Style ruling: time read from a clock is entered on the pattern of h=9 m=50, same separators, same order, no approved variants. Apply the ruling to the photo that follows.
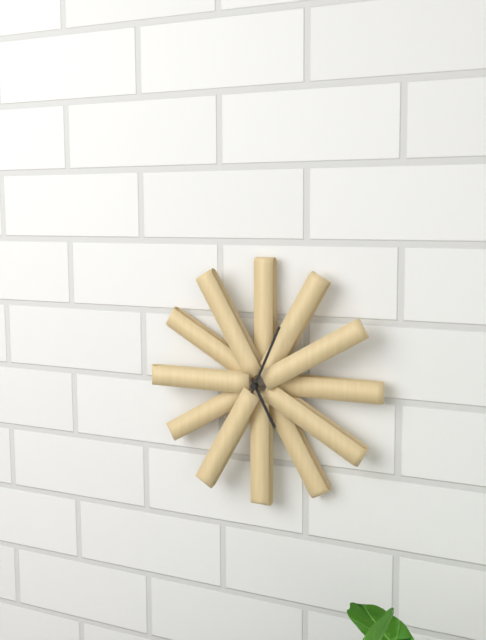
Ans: h=5 m=4
